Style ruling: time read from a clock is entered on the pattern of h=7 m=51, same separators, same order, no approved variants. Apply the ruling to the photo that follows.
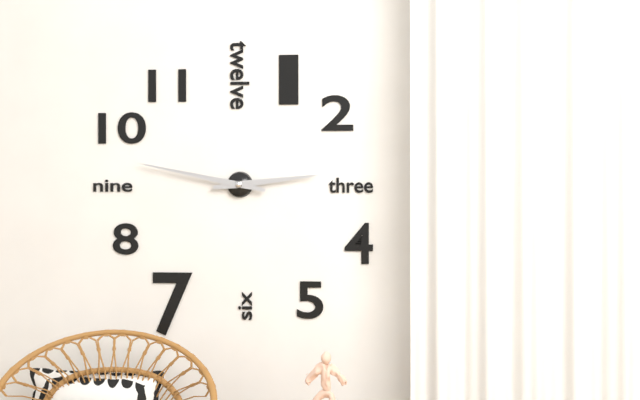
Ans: h=2 m=47
